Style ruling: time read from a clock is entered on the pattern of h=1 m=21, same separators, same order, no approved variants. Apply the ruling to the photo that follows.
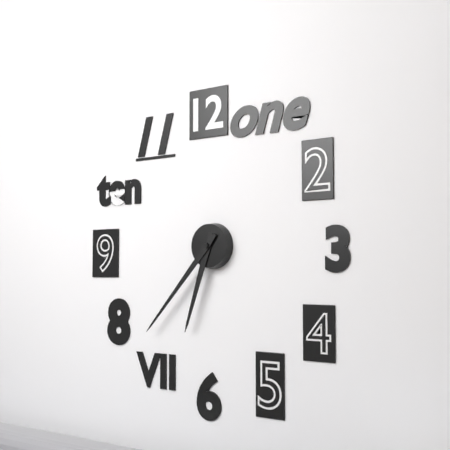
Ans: h=6 m=37
